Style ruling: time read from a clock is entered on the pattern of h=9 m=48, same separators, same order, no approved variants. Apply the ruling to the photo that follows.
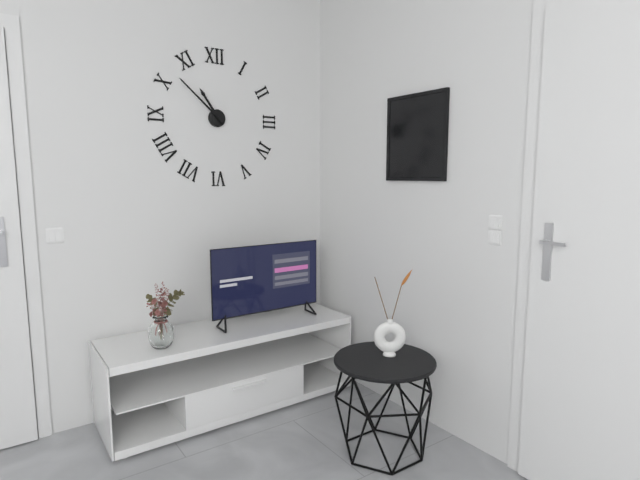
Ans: h=10 m=52
